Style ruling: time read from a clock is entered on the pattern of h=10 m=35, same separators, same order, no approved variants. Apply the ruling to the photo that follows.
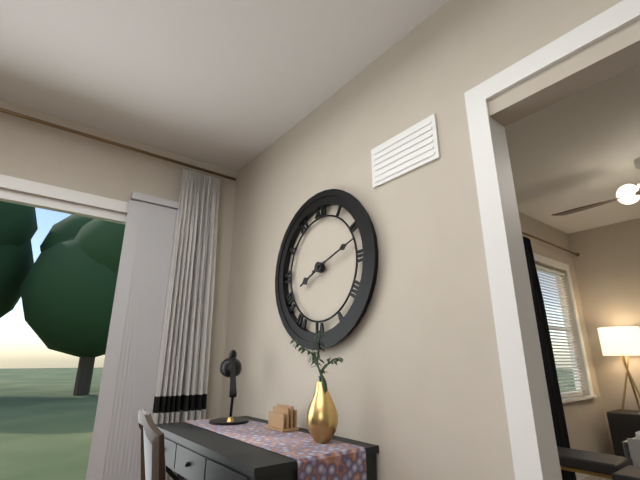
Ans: h=8 m=12
